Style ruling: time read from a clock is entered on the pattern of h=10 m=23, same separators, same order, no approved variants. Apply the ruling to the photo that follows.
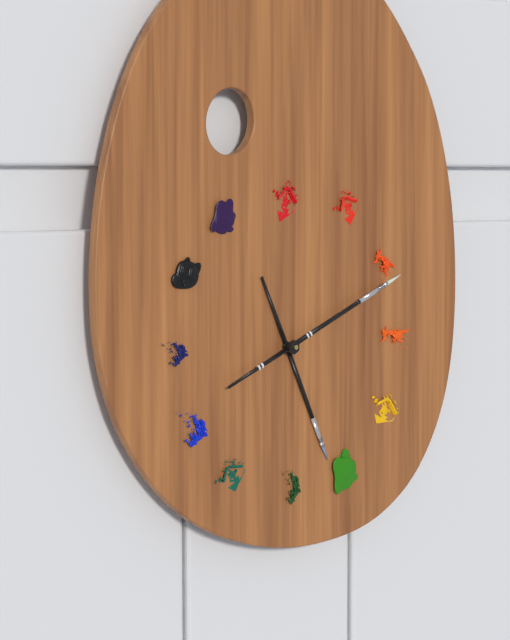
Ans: h=5 m=11
